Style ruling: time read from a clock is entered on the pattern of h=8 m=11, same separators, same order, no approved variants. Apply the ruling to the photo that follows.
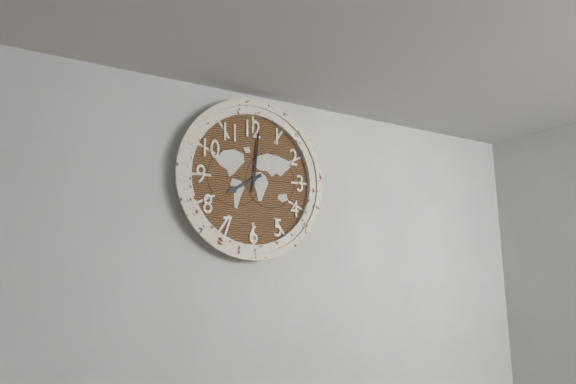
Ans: h=8 m=1
